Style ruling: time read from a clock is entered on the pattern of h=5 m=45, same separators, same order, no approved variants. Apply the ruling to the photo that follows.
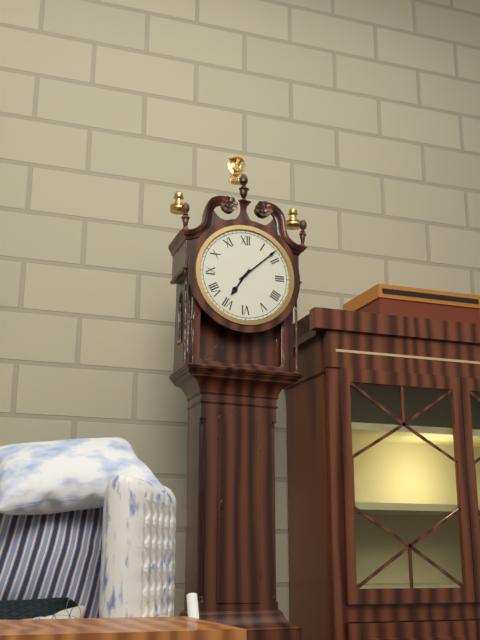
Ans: h=7 m=8
